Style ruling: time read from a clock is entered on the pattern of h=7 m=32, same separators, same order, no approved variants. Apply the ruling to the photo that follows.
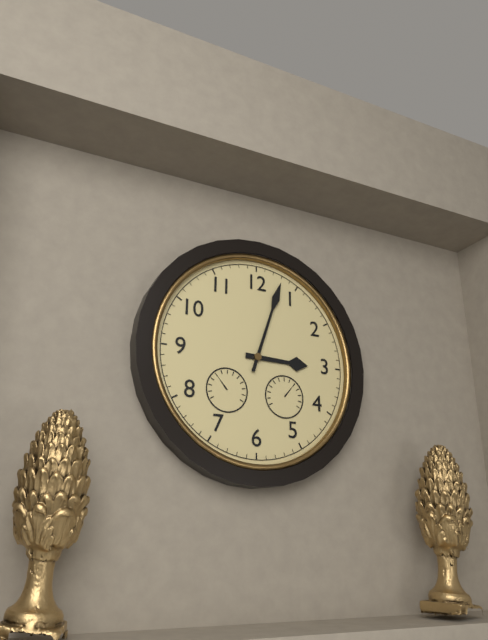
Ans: h=3 m=3
